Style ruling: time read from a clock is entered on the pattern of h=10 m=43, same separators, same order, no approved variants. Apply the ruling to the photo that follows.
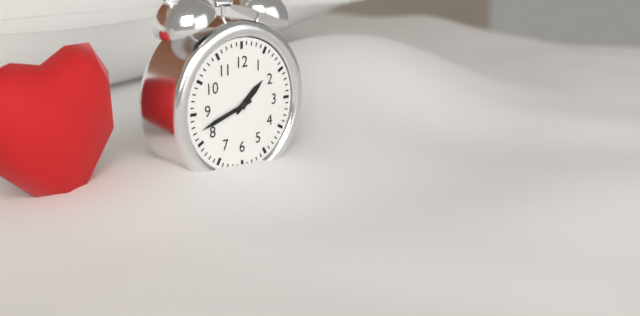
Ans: h=1 m=42
